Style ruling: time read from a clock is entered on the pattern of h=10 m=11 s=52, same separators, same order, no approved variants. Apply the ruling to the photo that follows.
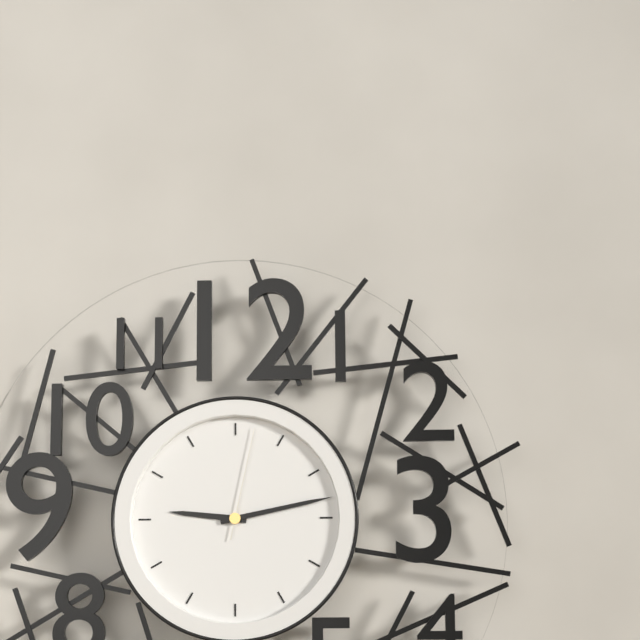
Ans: h=9 m=13 s=2
